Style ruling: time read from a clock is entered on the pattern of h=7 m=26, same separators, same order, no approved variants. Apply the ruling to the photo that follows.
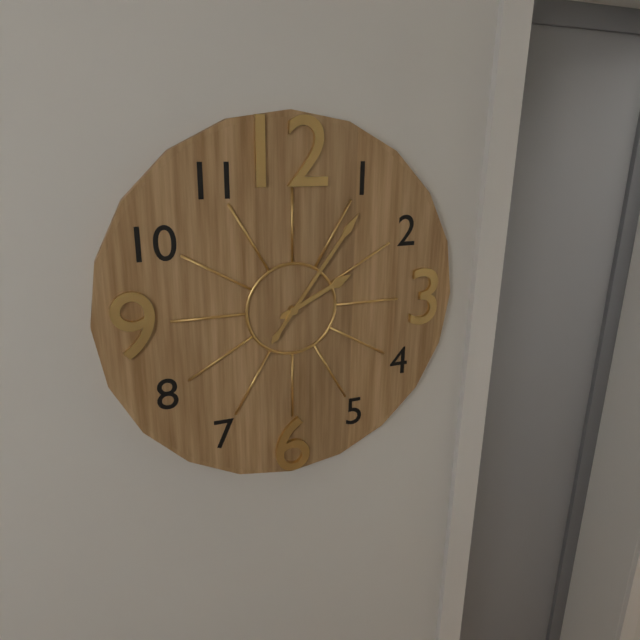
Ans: h=2 m=6
